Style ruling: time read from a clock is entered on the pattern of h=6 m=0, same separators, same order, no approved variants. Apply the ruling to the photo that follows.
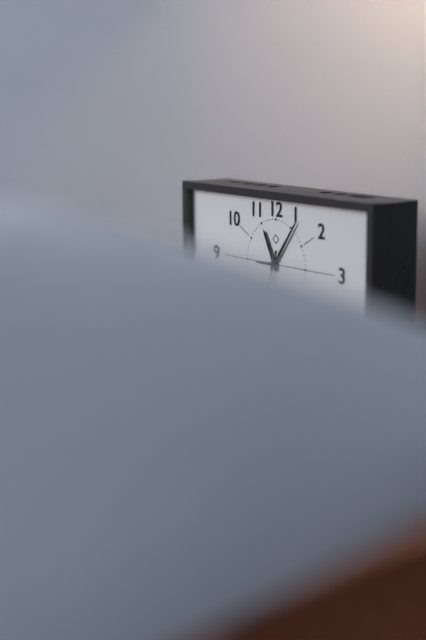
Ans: h=11 m=6
